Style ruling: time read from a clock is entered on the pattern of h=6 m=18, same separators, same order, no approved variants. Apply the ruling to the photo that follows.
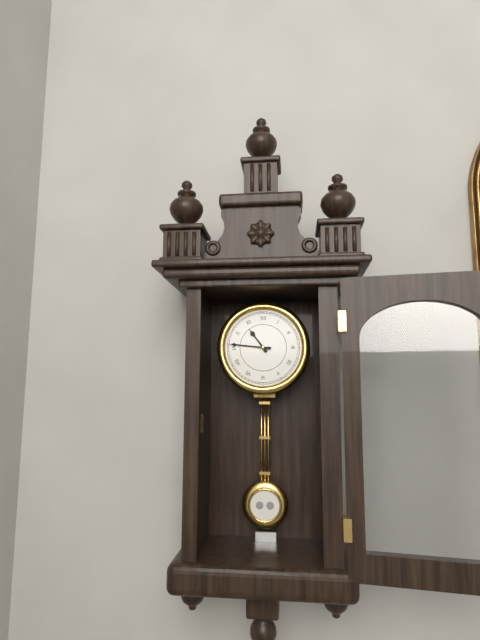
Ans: h=10 m=46
